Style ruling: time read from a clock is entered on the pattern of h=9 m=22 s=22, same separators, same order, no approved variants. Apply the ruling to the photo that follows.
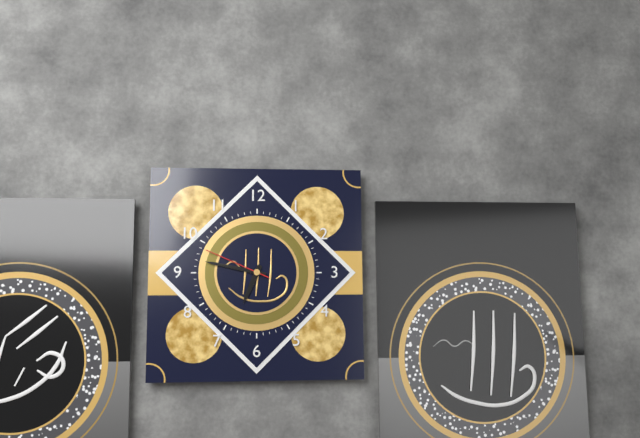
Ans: h=6 m=47 s=49
